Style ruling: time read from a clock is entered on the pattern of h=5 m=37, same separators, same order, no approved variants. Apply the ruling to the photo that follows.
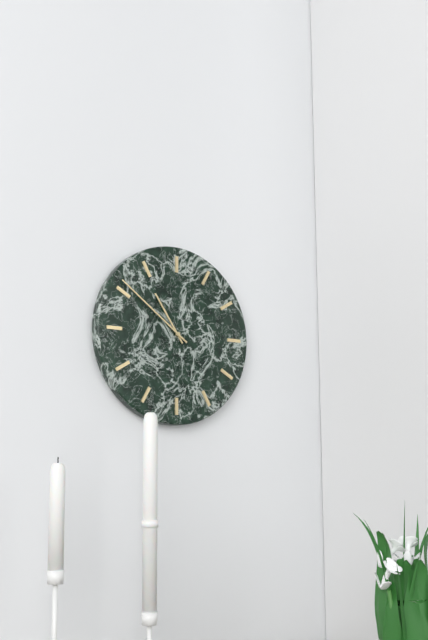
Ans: h=10 m=51
